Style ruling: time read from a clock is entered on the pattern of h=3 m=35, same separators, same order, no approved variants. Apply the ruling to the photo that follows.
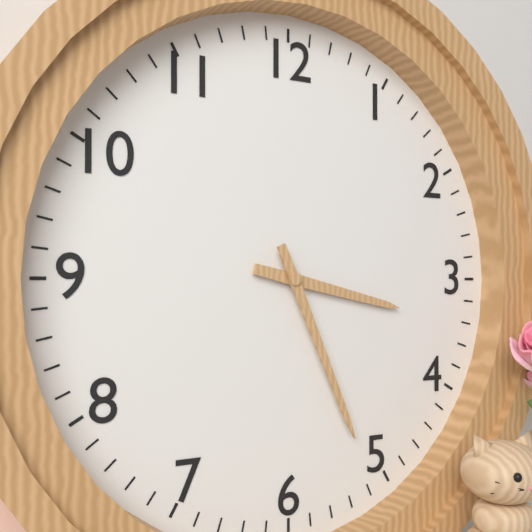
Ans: h=3 m=26
